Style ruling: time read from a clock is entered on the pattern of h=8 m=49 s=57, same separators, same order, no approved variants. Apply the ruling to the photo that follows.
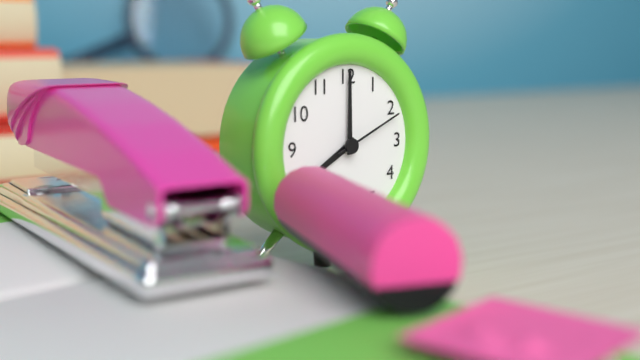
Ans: h=8 m=0 s=11
